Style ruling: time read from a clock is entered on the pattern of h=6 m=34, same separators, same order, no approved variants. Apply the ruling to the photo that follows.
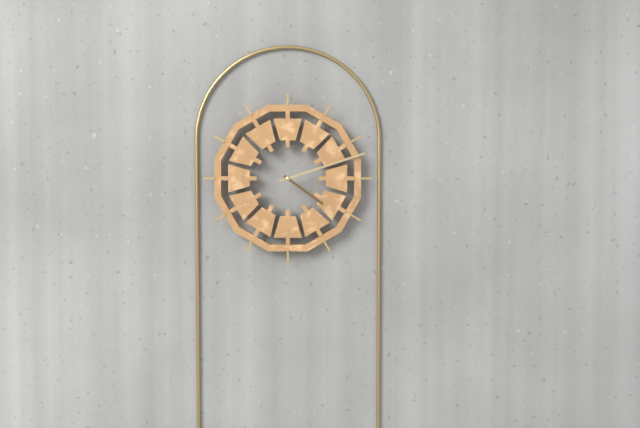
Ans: h=4 m=12
